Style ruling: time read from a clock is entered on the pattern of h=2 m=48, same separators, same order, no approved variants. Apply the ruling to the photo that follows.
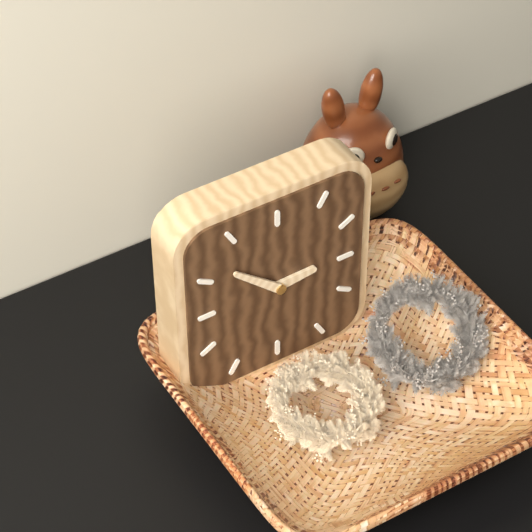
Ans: h=2 m=52
